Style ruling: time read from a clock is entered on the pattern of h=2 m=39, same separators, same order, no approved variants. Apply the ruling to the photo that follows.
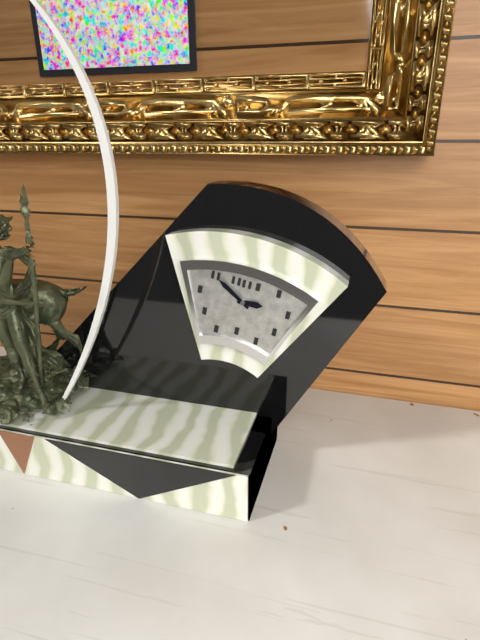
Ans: h=2 m=50
